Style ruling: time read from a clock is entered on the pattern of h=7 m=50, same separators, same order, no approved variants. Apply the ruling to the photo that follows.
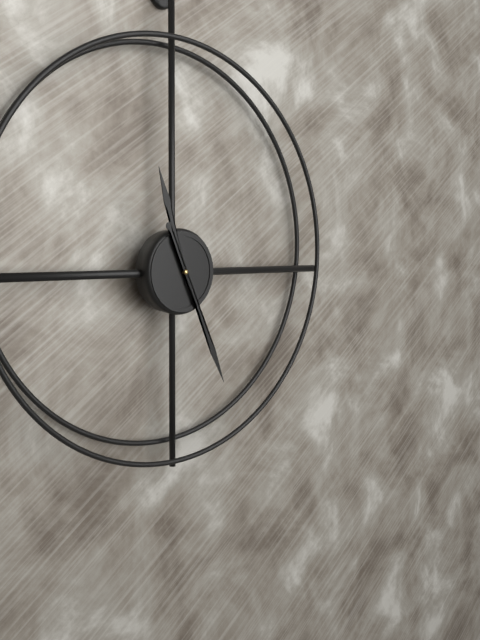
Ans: h=11 m=26
